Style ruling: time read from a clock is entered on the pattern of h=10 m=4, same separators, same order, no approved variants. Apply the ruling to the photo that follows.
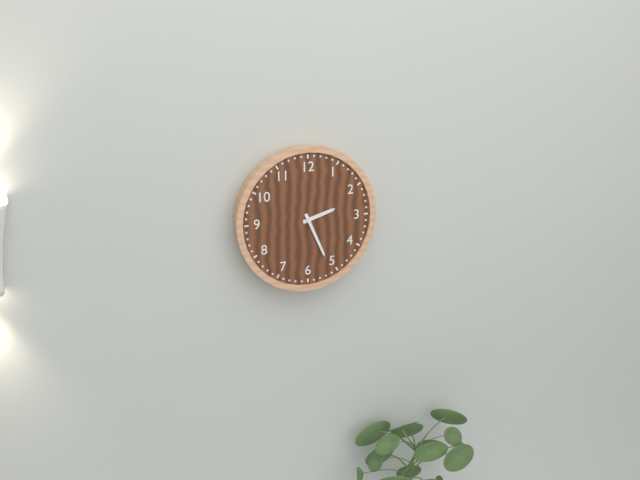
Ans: h=2 m=26
